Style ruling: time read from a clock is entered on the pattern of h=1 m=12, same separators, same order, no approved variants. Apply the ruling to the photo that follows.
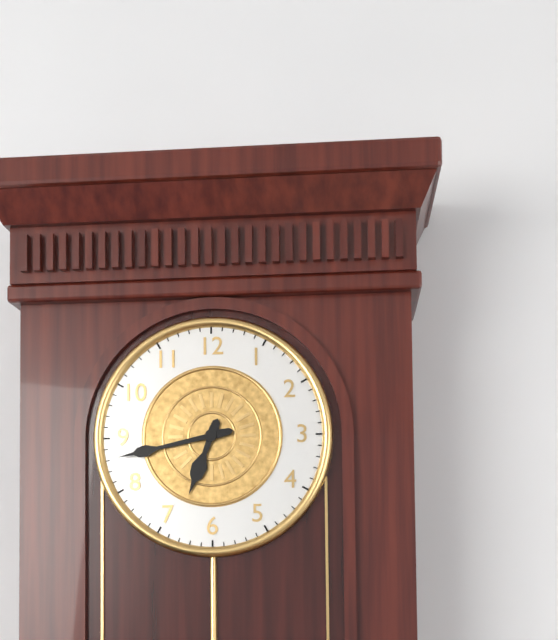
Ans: h=6 m=43
